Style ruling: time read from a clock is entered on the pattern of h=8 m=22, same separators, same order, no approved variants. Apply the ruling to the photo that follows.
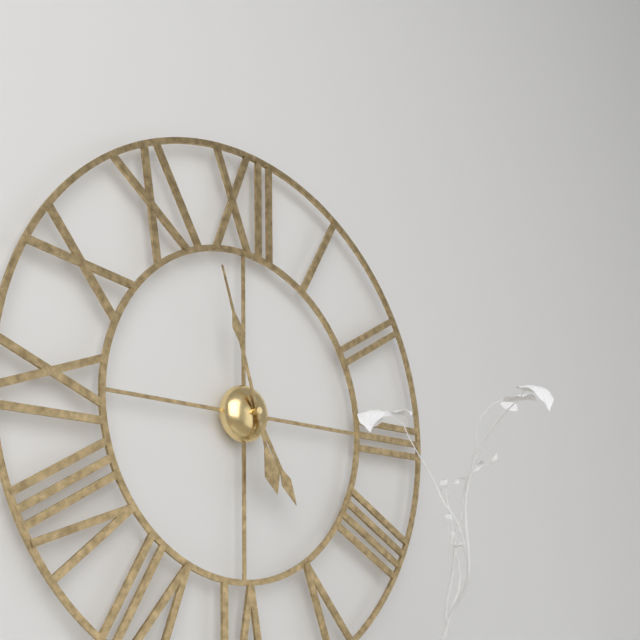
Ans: h=4 m=57
